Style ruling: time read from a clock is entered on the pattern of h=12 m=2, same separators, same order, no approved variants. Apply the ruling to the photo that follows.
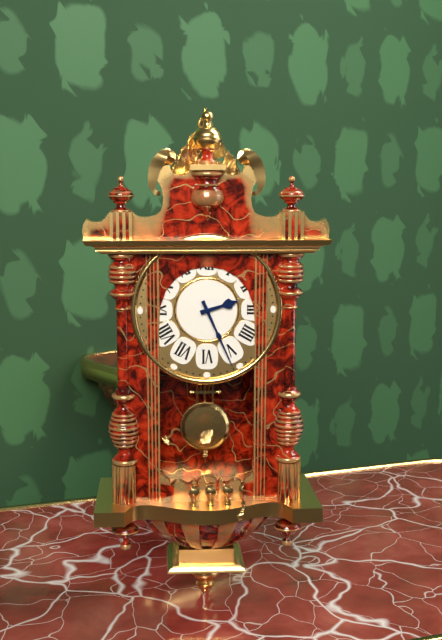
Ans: h=2 m=26
